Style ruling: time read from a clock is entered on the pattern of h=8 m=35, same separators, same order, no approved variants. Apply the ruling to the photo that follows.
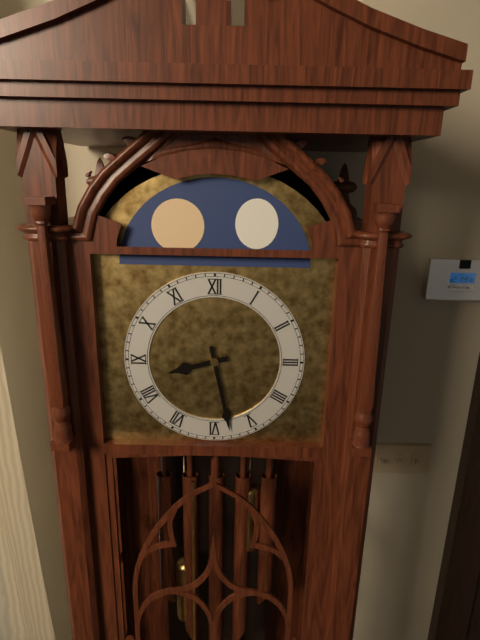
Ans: h=8 m=28
